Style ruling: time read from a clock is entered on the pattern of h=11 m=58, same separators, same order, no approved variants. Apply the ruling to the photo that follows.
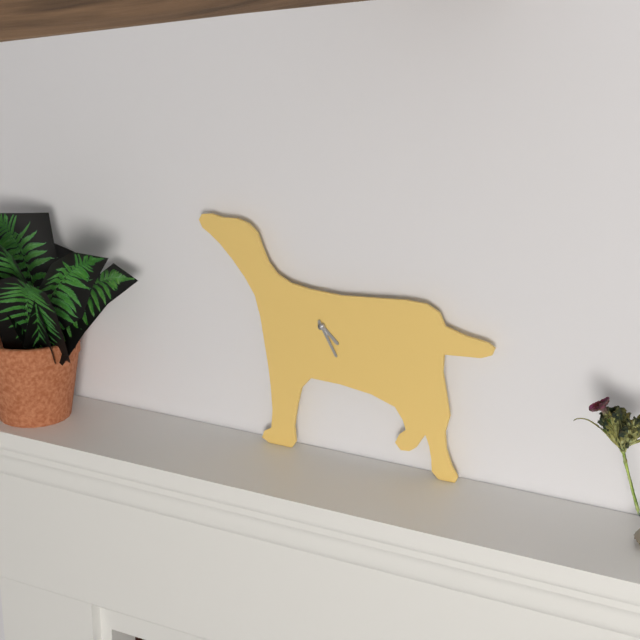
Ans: h=4 m=25
